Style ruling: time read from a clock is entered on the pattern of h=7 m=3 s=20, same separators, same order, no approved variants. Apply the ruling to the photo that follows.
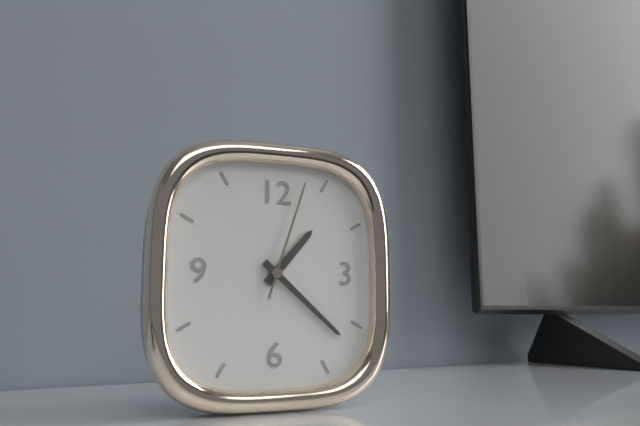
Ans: h=1 m=22 s=3
